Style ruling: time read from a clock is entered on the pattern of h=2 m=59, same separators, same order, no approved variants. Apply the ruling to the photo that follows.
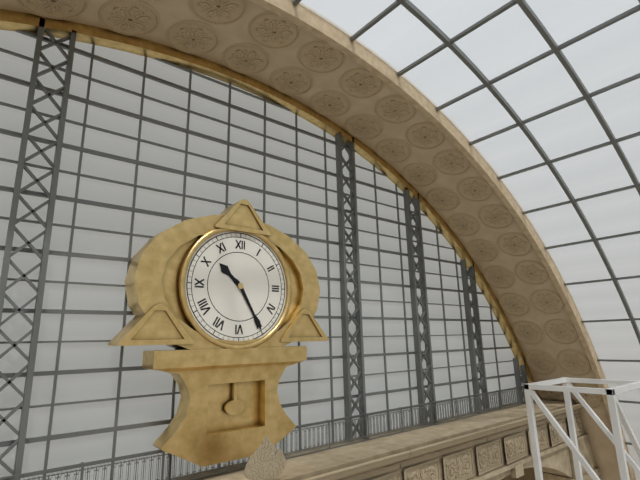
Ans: h=10 m=25
